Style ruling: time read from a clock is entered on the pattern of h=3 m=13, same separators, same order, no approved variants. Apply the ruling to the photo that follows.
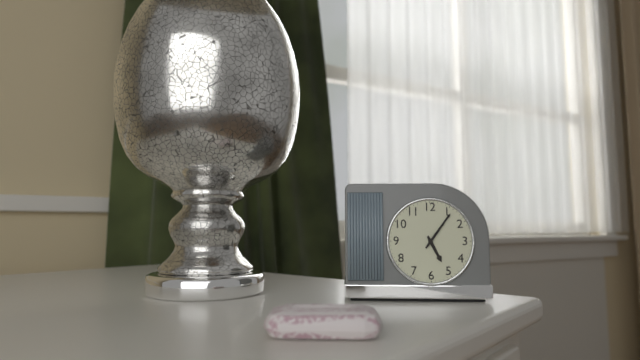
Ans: h=5 m=6
